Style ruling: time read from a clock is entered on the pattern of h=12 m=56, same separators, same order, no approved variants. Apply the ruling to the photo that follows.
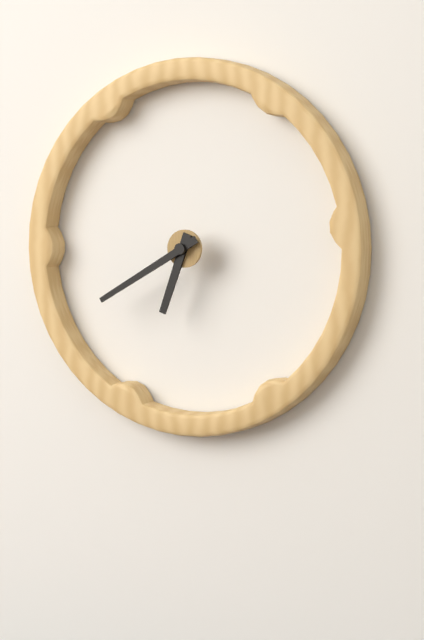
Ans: h=6 m=40
